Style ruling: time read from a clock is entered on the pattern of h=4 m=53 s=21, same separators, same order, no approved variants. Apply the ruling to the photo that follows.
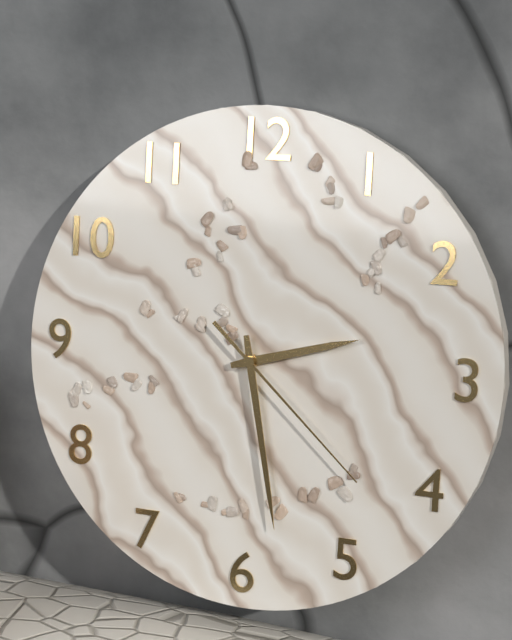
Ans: h=2 m=28 s=22
